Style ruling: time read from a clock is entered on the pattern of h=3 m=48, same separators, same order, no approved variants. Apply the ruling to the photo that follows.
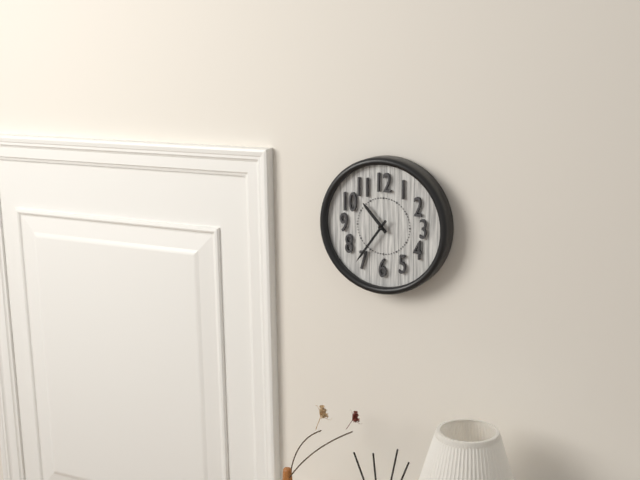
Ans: h=10 m=36
